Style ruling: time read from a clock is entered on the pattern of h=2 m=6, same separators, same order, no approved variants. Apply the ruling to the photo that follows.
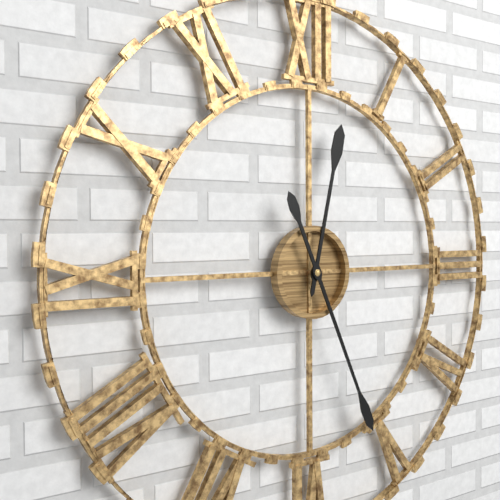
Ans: h=12 m=26
